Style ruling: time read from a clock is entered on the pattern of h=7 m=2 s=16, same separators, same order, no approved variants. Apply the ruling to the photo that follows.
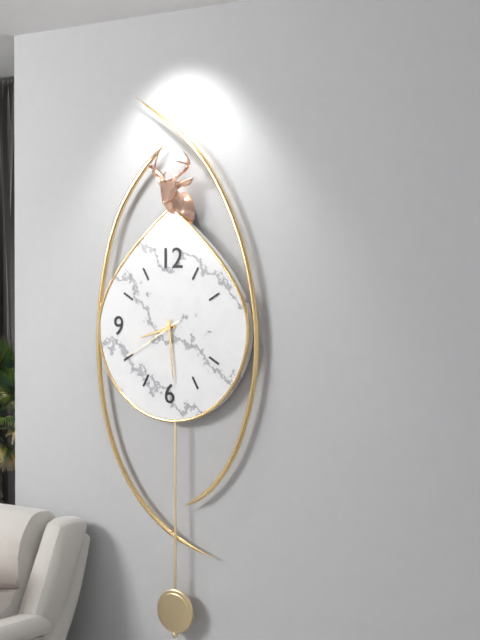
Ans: h=8 m=29 s=40
